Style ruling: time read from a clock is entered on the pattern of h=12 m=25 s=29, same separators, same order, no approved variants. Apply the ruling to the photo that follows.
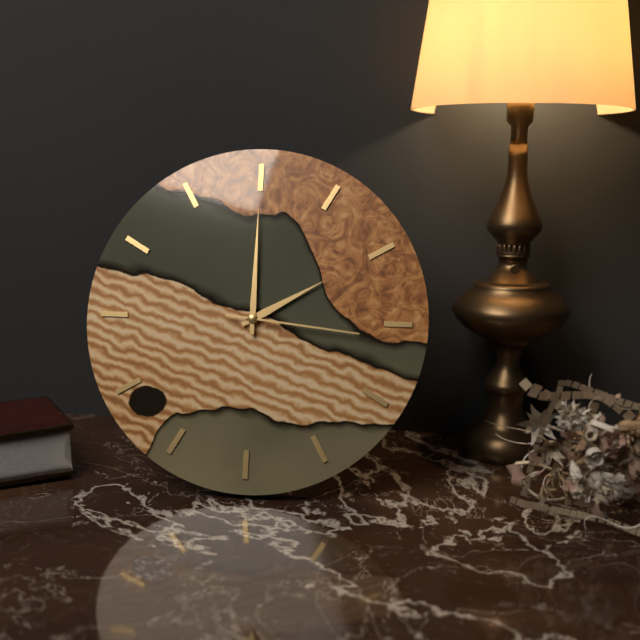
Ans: h=2 m=0 s=16
